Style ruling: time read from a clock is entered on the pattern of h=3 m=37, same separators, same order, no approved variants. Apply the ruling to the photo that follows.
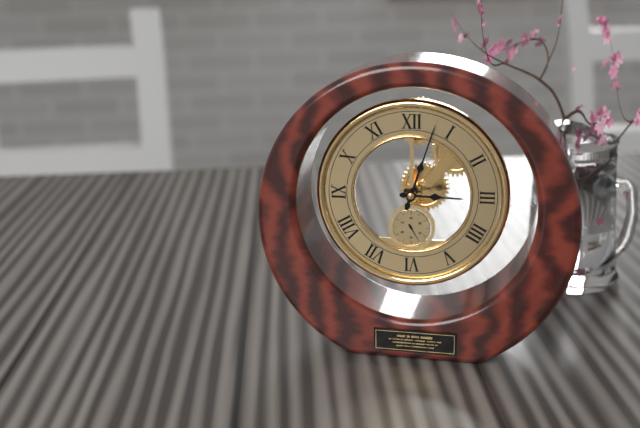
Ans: h=3 m=3
